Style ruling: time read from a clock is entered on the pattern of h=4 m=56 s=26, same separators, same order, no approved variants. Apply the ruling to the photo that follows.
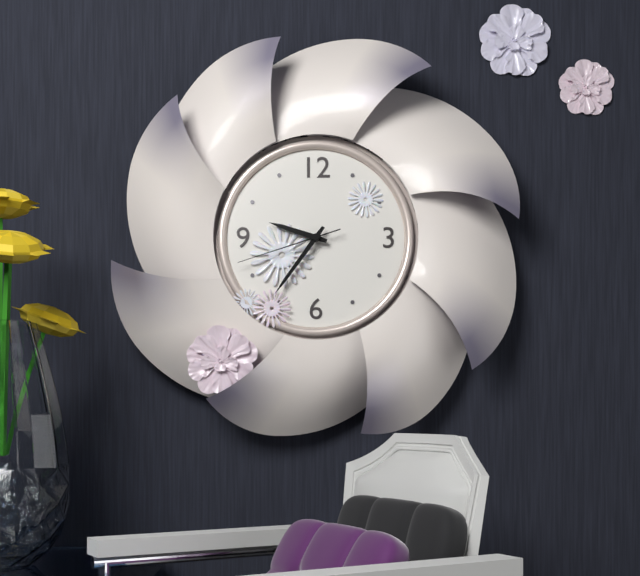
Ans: h=9 m=36 s=42
